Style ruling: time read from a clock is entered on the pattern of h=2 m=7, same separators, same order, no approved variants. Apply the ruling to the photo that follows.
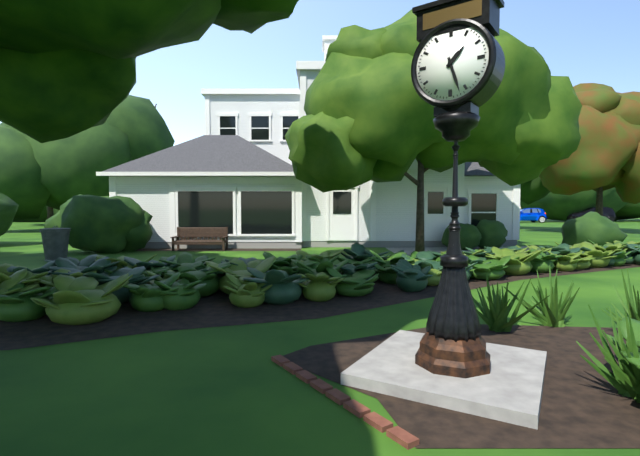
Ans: h=1 m=27
